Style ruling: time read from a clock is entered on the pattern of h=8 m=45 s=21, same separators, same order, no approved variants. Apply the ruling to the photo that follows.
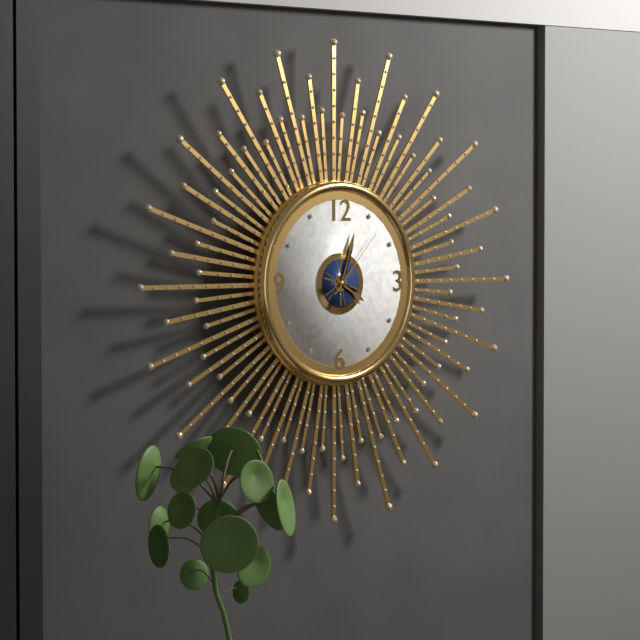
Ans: h=4 m=3 s=7
